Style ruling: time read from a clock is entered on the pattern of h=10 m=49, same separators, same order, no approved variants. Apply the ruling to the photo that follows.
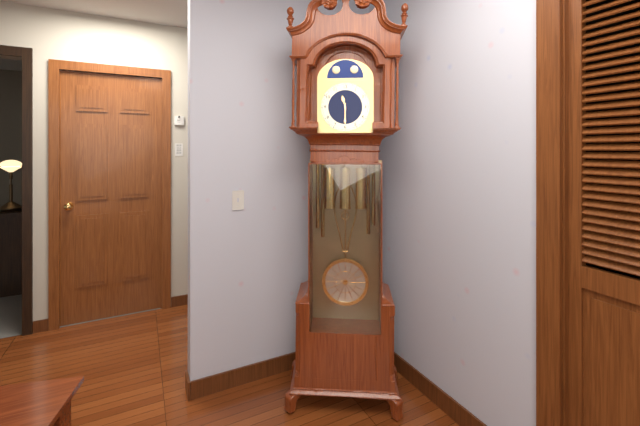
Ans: h=11 m=30
